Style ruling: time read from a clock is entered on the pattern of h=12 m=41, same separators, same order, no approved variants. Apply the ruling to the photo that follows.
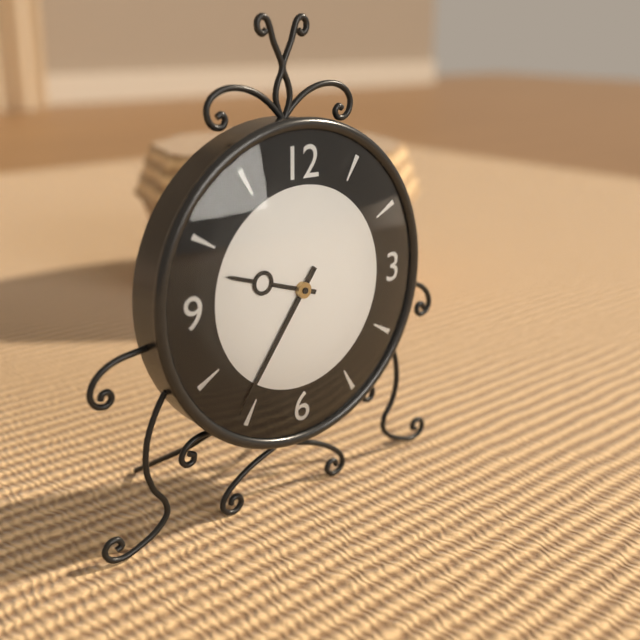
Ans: h=9 m=36
